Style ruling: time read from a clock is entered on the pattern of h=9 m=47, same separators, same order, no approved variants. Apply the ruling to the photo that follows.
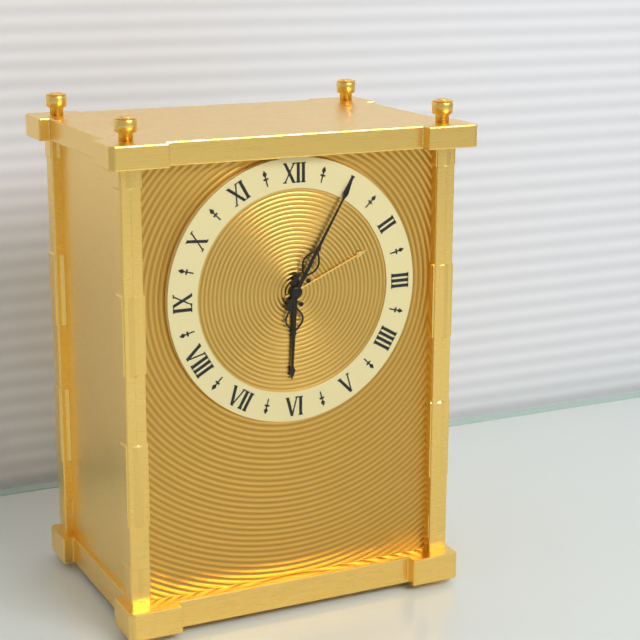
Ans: h=6 m=5
